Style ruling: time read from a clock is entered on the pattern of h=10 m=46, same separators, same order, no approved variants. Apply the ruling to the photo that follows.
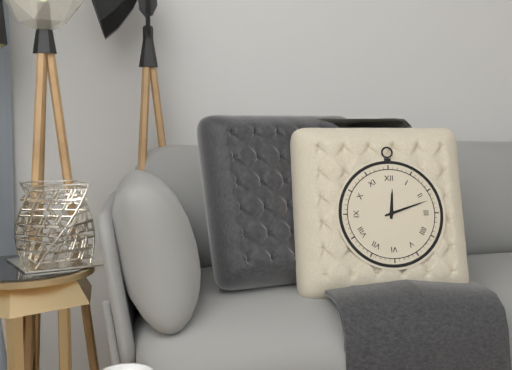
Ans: h=12 m=12
